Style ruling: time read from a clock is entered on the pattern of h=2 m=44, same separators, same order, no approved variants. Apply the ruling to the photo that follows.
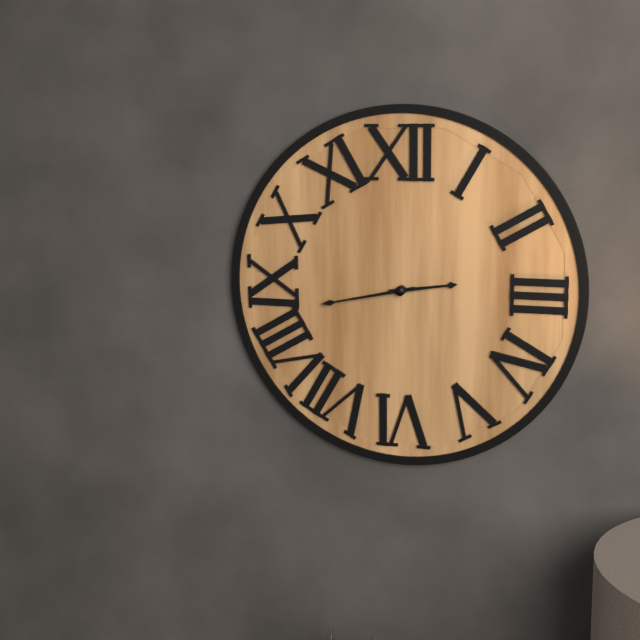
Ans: h=2 m=43
